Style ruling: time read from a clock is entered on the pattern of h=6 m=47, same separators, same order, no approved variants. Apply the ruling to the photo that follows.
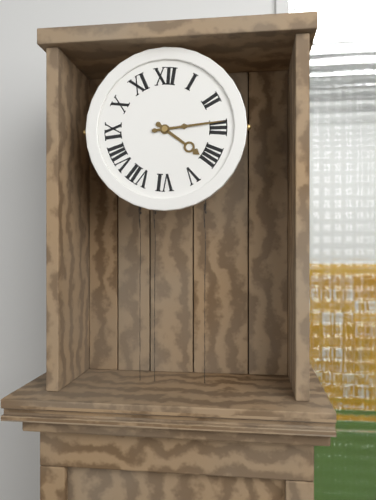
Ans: h=4 m=14
